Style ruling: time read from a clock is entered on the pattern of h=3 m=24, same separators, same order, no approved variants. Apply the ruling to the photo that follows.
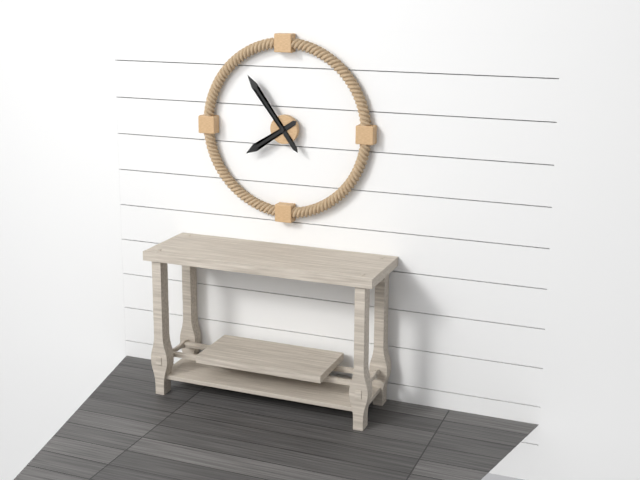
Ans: h=7 m=54
